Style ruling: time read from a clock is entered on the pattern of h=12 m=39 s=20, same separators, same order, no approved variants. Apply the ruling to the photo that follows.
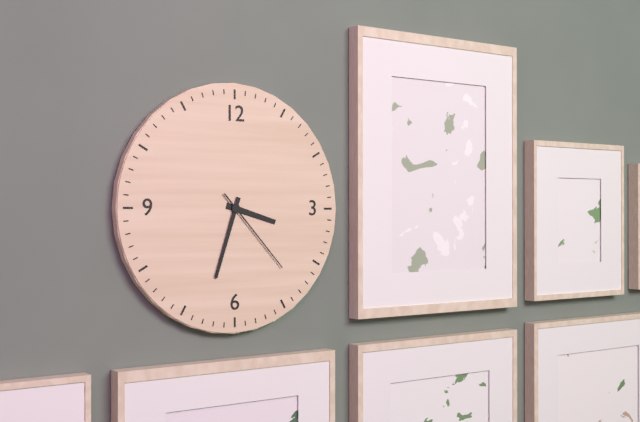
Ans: h=3 m=33 s=23
